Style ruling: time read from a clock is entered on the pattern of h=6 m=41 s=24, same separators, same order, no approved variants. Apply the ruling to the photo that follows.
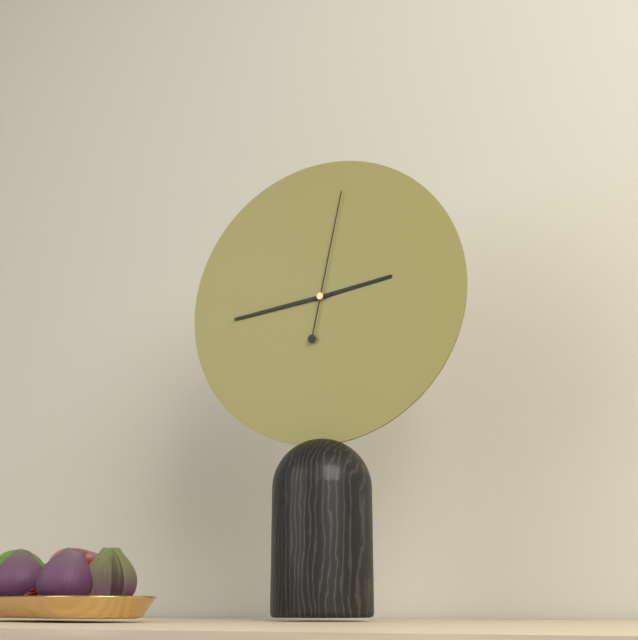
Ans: h=2 m=44 s=2
